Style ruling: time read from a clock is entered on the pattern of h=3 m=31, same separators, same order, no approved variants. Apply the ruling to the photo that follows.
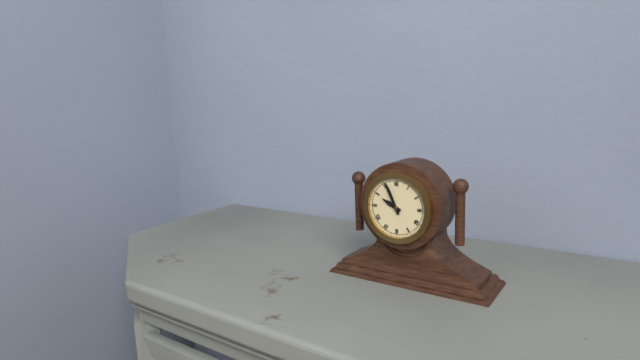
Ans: h=9 m=56
